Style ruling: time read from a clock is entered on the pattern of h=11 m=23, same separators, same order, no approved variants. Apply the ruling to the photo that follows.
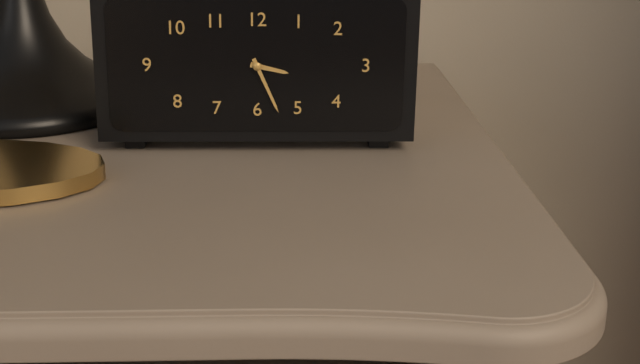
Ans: h=3 m=26
